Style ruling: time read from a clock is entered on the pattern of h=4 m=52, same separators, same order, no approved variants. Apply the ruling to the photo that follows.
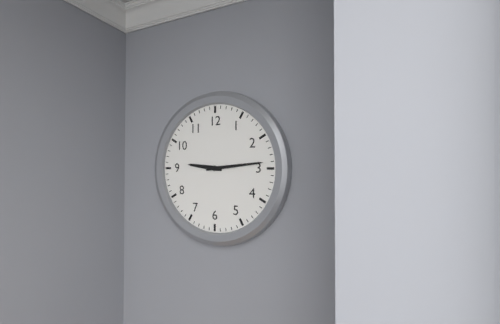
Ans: h=9 m=14
